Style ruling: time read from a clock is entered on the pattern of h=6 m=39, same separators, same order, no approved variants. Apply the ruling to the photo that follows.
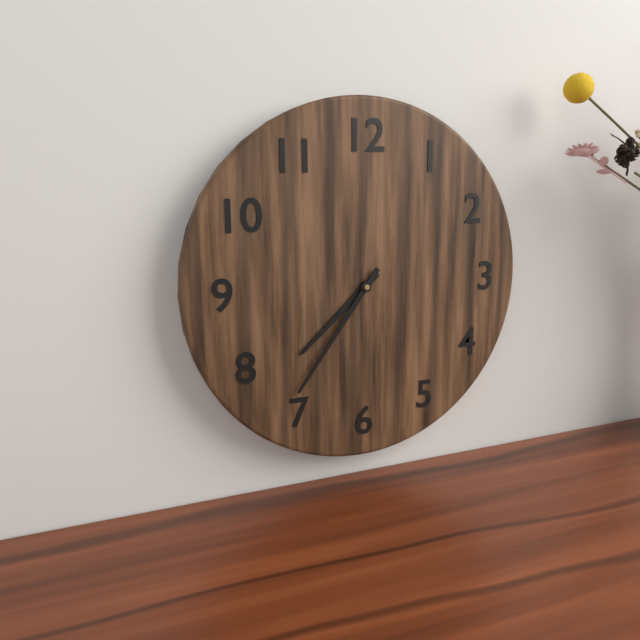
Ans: h=7 m=36
